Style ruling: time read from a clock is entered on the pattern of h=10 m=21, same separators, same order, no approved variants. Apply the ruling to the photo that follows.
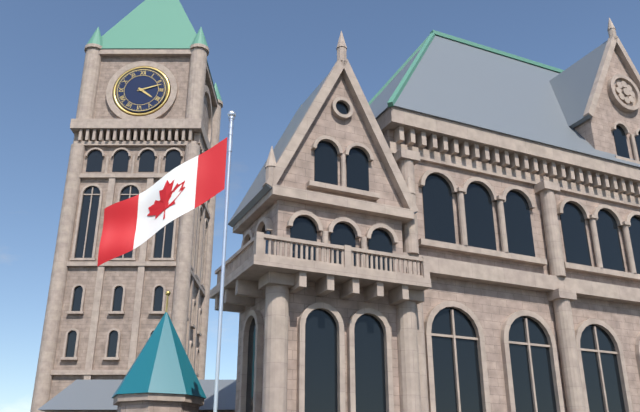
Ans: h=4 m=12
